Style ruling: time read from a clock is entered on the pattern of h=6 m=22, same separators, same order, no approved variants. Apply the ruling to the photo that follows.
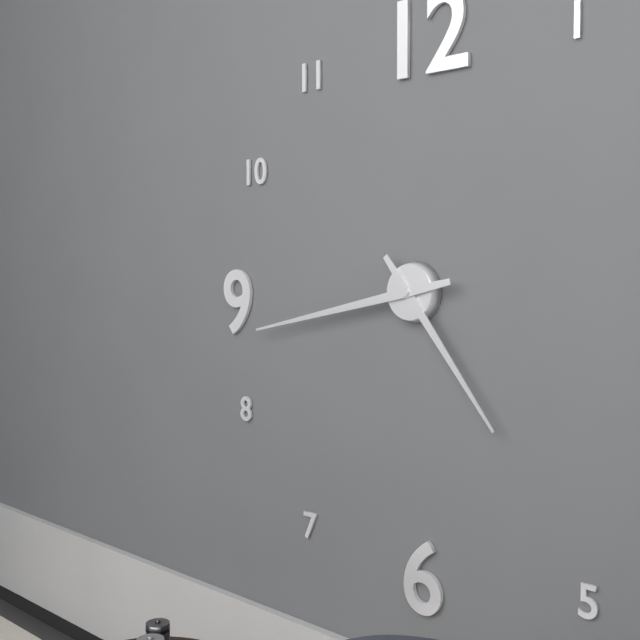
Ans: h=4 m=43
